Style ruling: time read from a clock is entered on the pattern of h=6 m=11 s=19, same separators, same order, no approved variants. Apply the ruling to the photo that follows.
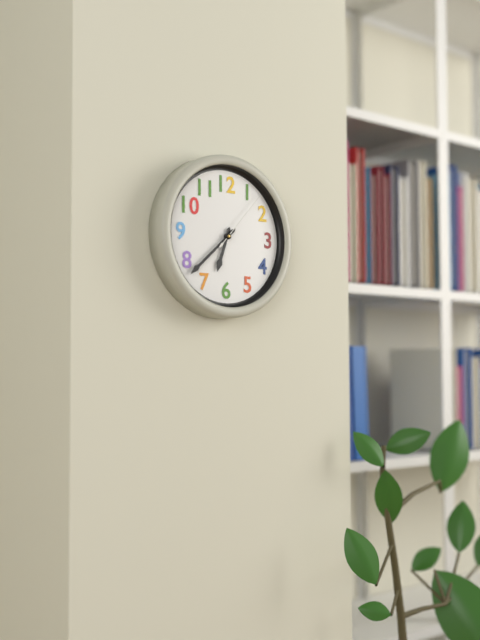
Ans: h=6 m=38 s=7
